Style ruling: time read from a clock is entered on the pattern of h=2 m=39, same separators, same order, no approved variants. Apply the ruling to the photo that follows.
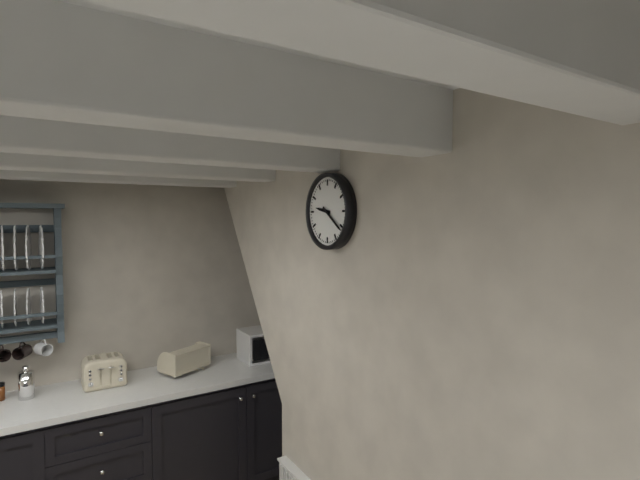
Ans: h=9 m=21
